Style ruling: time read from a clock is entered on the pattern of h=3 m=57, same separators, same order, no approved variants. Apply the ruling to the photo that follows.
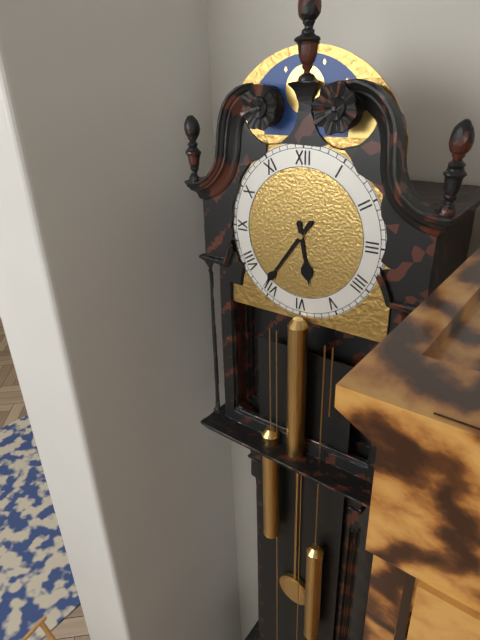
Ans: h=5 m=36
